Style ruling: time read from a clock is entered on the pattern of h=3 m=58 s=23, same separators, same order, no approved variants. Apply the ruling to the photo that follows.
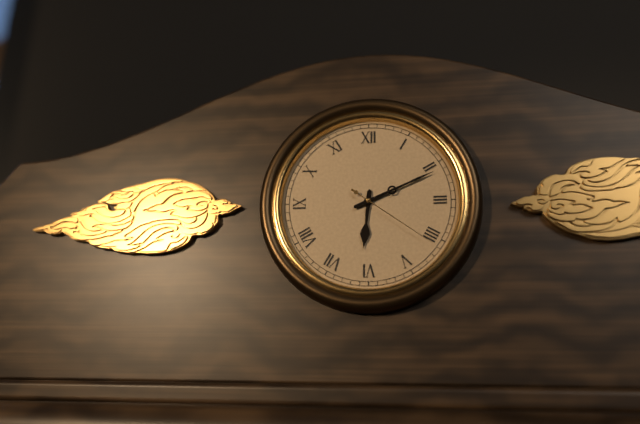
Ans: h=6 m=11 s=21
